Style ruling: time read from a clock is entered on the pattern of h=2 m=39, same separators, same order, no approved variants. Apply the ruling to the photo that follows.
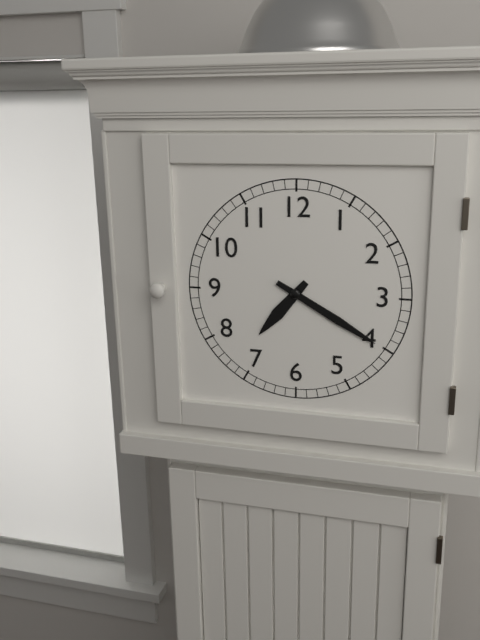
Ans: h=7 m=20
